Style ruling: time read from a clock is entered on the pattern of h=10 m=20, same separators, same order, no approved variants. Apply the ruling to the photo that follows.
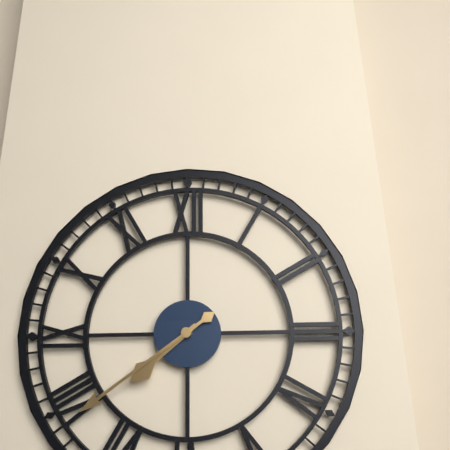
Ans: h=7 m=39
